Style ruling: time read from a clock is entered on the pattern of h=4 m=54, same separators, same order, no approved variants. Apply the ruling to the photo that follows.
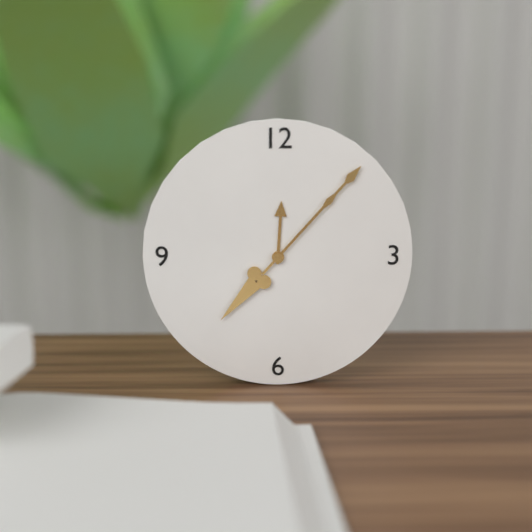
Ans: h=12 m=7
